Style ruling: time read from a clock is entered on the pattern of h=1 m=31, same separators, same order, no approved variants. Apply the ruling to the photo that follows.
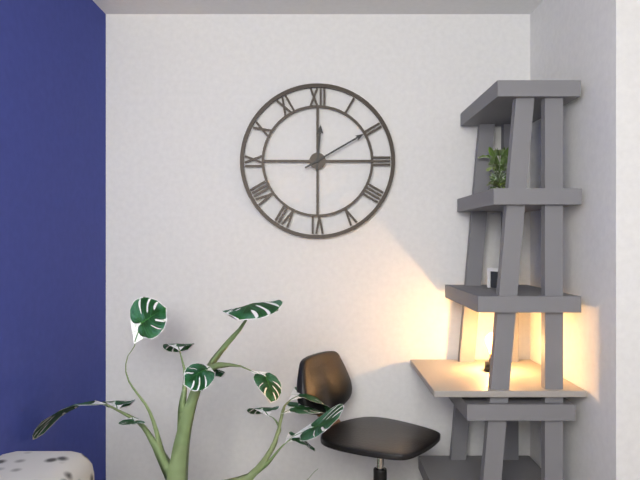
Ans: h=12 m=10
